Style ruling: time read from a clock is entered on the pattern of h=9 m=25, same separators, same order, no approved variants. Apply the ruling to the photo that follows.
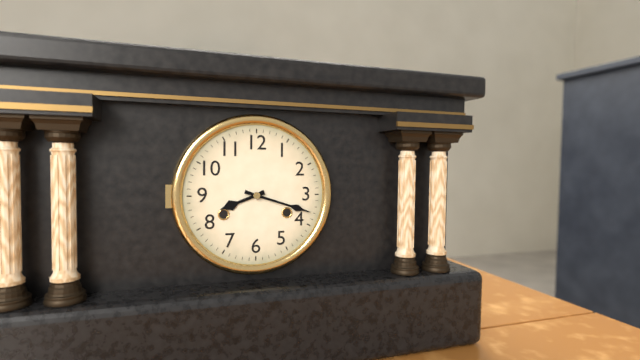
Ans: h=8 m=18
